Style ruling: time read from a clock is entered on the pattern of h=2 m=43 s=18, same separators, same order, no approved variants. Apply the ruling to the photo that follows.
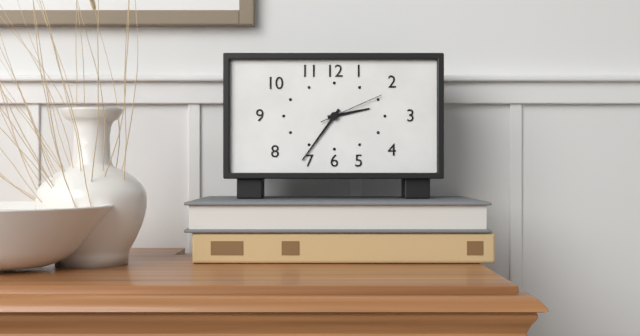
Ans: h=2 m=36 s=11
